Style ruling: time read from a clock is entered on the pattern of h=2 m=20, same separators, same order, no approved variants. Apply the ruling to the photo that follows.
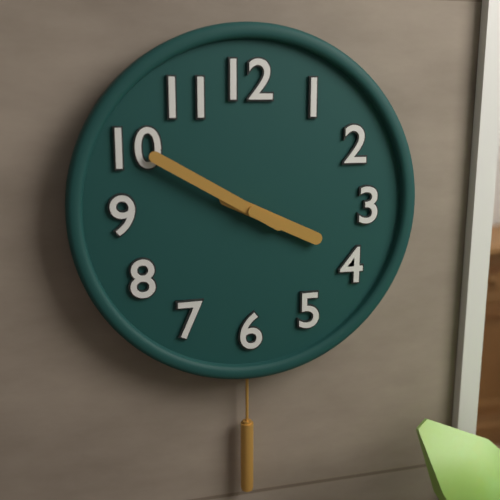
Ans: h=3 m=50
